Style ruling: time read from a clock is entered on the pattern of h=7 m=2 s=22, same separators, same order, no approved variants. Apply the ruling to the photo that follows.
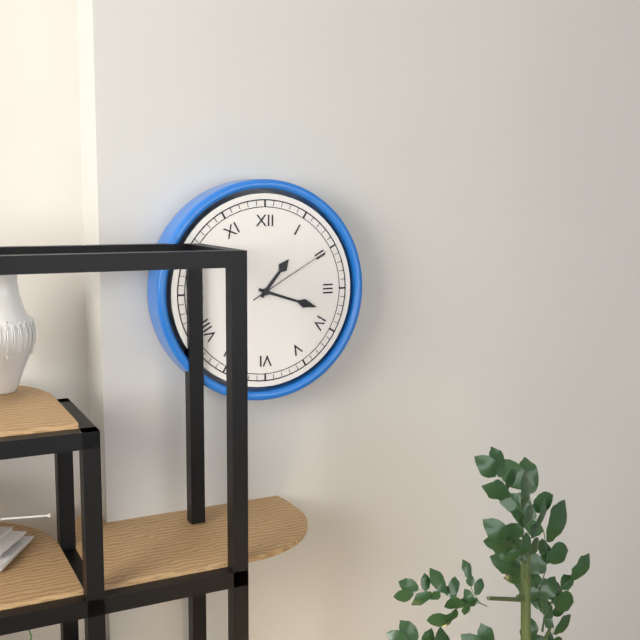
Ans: h=1 m=18 s=10
